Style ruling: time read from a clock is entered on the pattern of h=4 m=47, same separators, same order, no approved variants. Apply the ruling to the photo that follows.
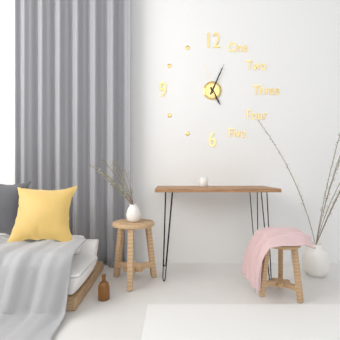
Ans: h=5 m=4
